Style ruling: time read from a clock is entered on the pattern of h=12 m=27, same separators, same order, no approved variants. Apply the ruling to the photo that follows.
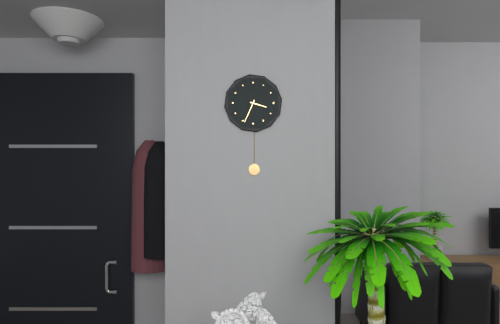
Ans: h=3 m=34
